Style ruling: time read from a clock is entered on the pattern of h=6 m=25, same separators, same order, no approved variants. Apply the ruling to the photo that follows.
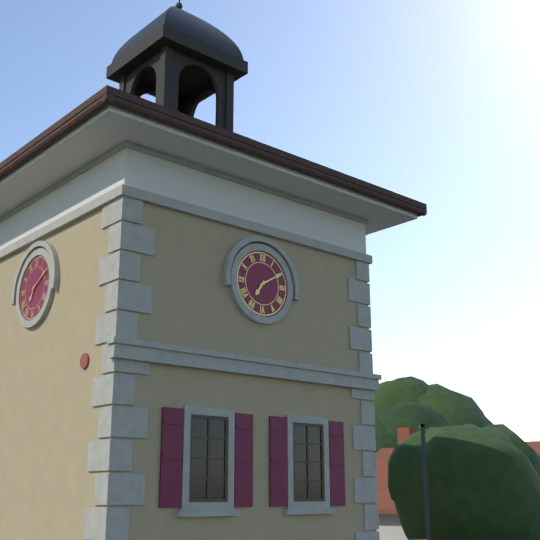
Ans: h=7 m=10
